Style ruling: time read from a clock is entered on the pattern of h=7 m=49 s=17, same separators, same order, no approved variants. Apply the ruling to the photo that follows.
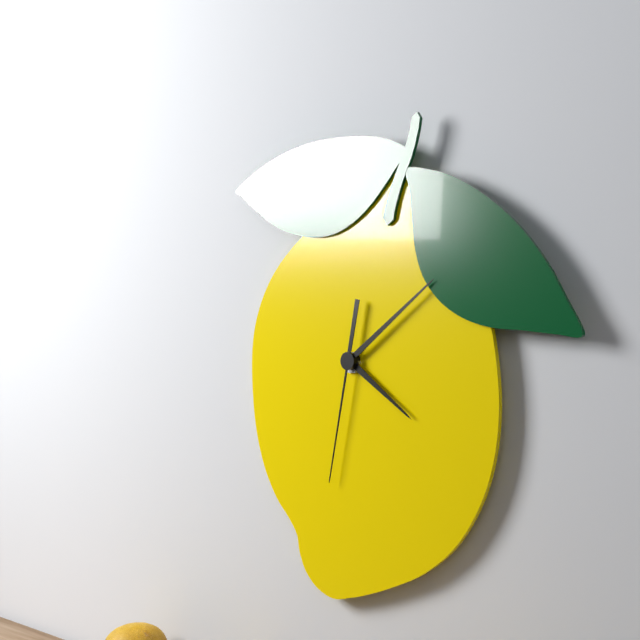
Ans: h=4 m=9 s=32
